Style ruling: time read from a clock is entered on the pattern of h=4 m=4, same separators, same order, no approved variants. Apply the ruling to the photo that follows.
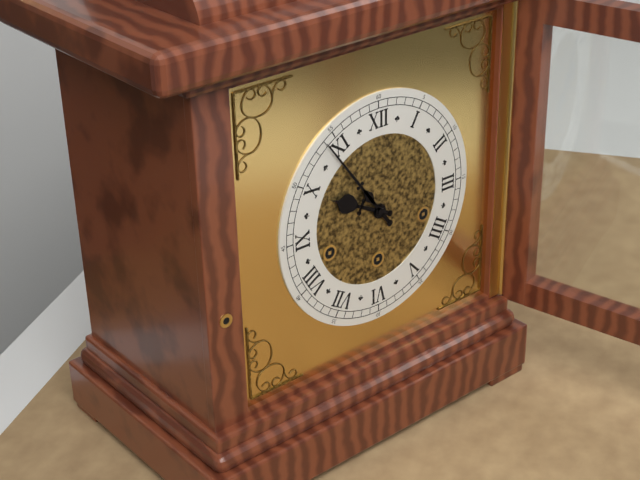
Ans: h=9 m=54
